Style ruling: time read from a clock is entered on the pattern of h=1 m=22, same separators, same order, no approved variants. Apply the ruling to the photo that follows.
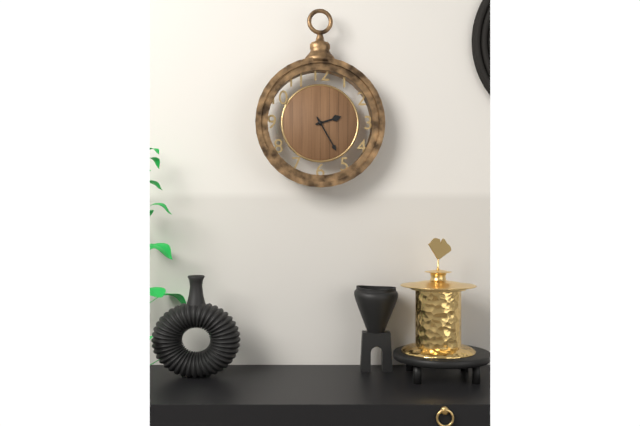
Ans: h=2 m=25
